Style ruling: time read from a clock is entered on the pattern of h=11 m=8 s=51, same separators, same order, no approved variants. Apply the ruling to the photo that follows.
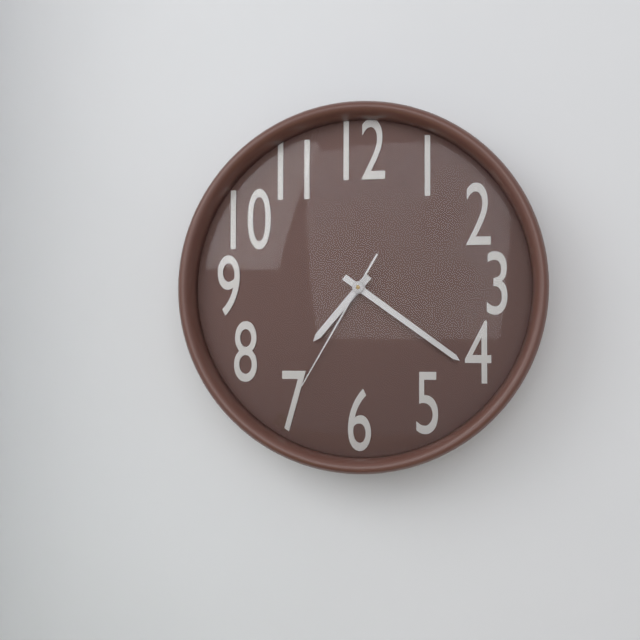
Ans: h=7 m=21 s=35
